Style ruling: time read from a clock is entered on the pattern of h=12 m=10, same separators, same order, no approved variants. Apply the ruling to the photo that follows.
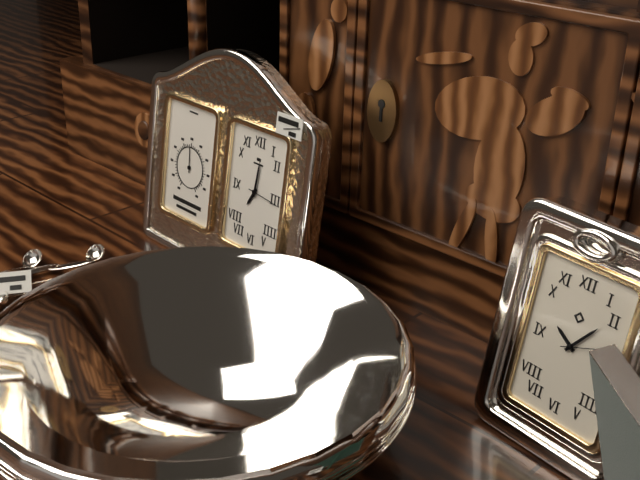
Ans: h=7 m=1
